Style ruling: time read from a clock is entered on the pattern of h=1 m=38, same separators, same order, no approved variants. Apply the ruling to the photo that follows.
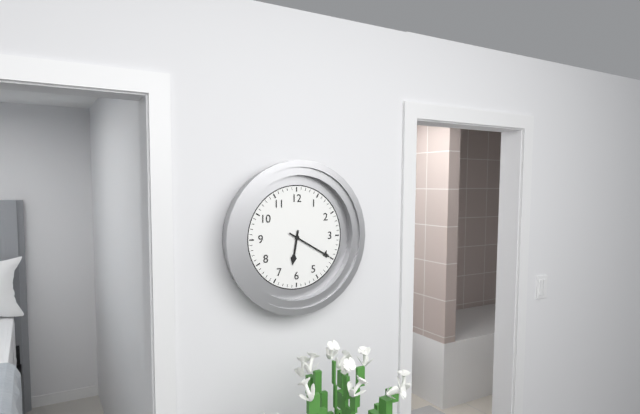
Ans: h=6 m=20
